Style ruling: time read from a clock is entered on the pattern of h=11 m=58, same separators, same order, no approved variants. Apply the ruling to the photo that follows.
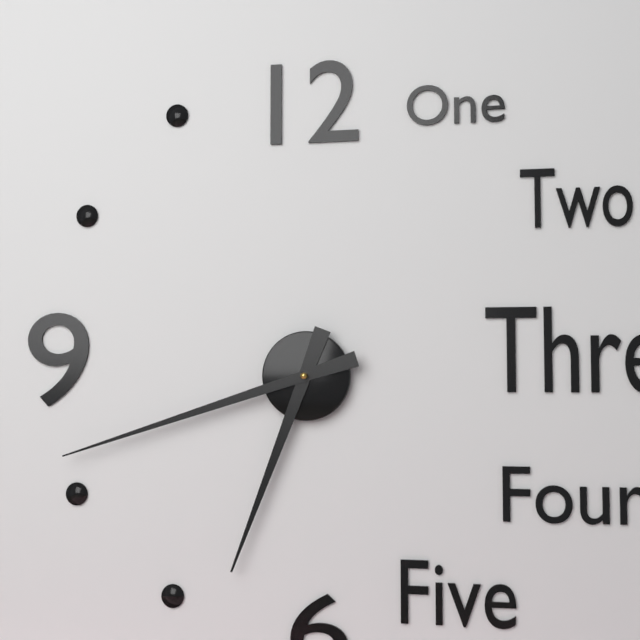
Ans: h=6 m=42
